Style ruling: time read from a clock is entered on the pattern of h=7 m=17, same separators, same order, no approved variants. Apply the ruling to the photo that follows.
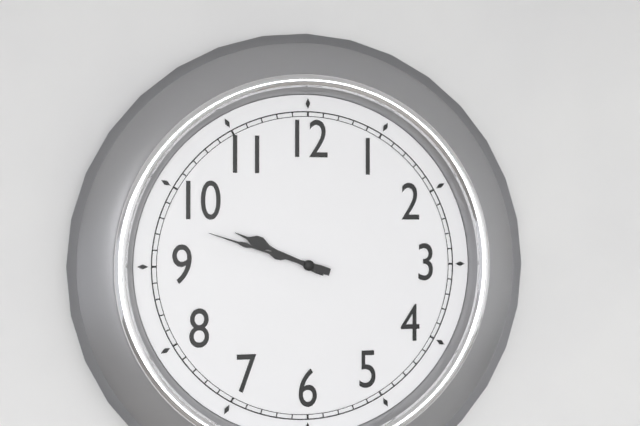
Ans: h=9 m=48
